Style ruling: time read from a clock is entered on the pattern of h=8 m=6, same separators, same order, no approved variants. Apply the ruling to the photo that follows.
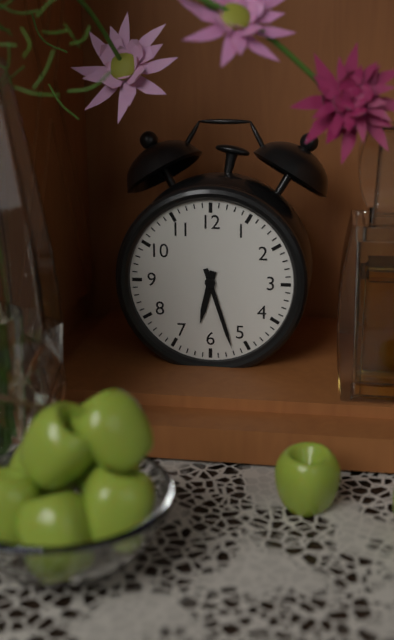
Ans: h=6 m=27
